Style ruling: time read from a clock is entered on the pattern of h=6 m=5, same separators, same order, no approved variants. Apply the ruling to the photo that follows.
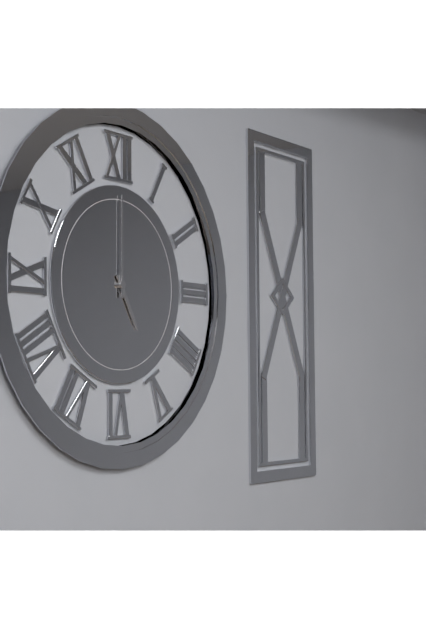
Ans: h=5 m=0
